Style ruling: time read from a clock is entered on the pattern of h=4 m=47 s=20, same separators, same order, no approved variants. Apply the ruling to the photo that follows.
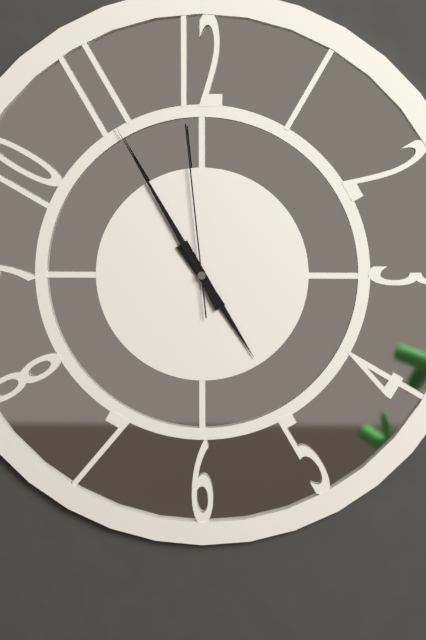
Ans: h=4 m=55 s=59
